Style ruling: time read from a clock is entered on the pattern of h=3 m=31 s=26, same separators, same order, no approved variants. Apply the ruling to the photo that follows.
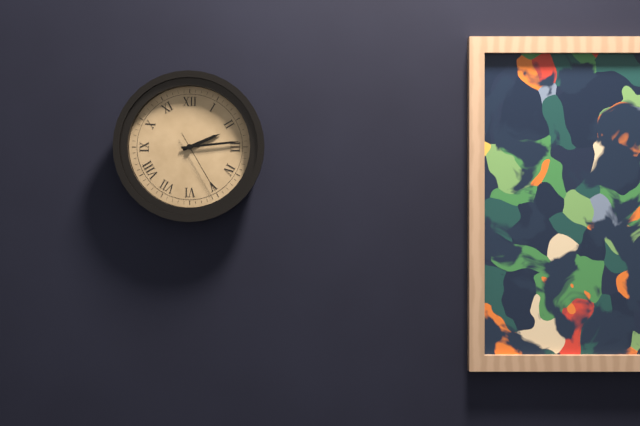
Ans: h=2 m=14 s=25
